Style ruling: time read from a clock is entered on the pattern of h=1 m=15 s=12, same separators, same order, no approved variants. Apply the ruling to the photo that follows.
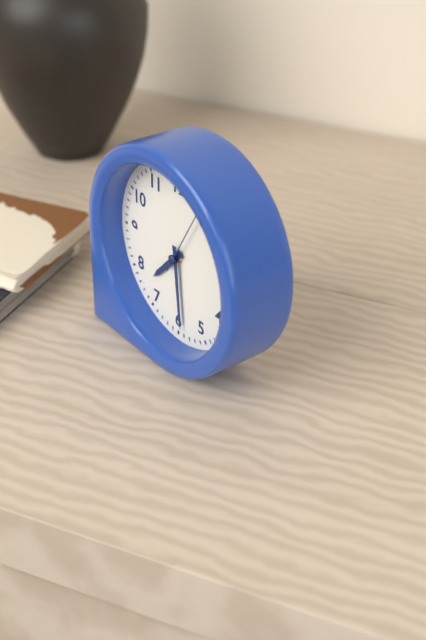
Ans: h=7 m=29 s=5
